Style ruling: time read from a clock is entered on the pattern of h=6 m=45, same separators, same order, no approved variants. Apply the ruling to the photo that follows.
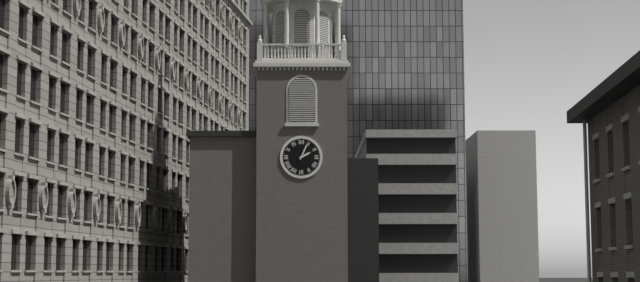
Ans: h=2 m=4
